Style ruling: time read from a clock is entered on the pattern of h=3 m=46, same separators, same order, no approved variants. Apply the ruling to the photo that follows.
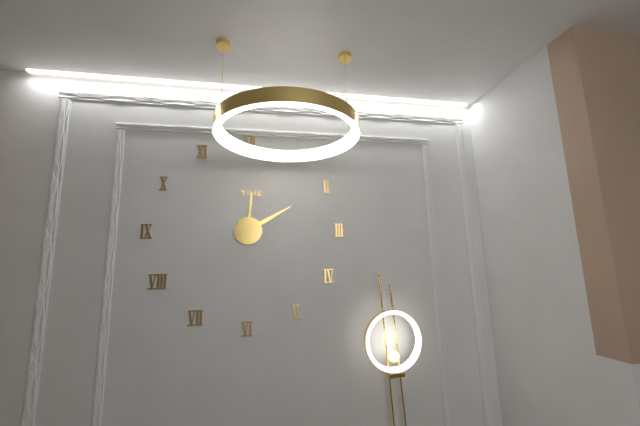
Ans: h=12 m=10
